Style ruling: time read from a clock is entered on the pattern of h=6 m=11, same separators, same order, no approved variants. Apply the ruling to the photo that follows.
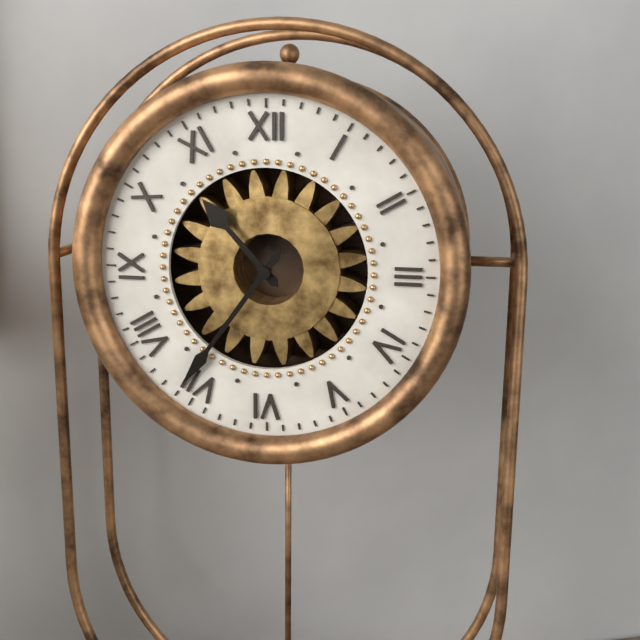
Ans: h=10 m=36
